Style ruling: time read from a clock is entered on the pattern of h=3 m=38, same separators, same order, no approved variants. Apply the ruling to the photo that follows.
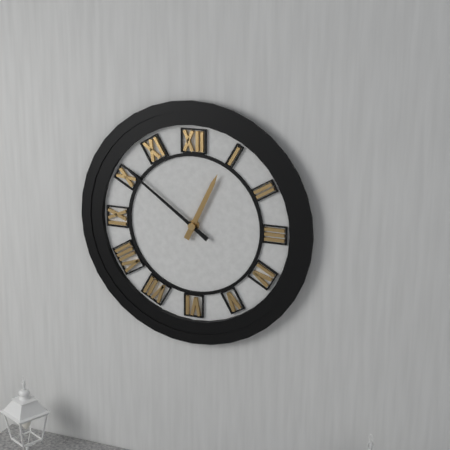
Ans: h=12 m=51
